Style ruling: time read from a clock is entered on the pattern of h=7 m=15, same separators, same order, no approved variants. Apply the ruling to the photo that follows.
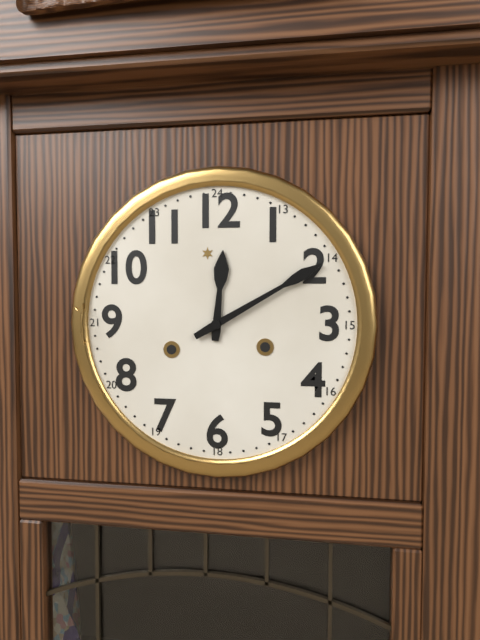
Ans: h=12 m=10
